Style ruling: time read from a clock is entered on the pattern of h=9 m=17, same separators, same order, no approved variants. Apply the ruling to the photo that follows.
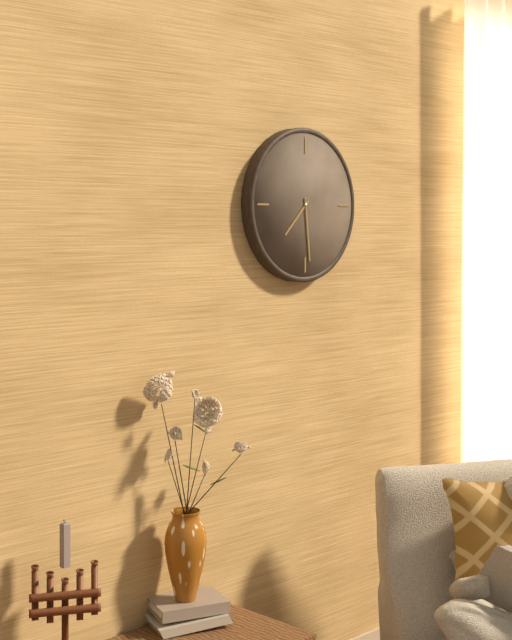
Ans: h=7 m=29
